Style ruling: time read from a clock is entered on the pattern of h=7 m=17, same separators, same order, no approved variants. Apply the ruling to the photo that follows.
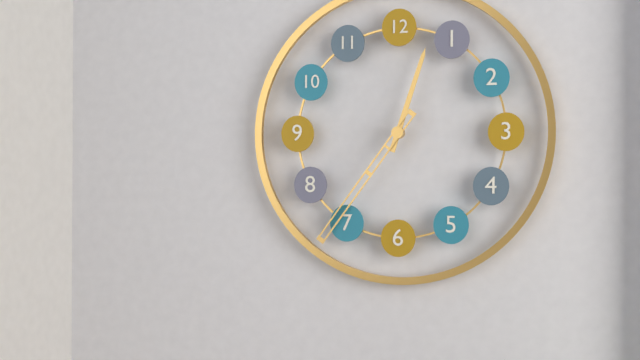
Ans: h=12 m=36
